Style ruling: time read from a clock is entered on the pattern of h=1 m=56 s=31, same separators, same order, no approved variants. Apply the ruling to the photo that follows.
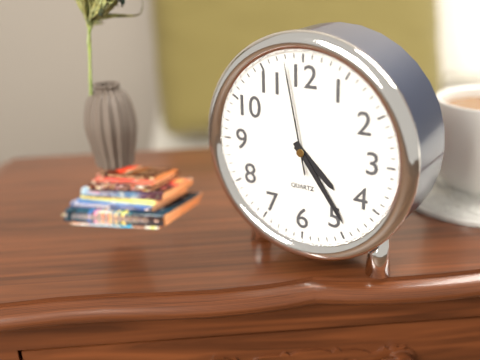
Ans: h=4 m=24 s=58
